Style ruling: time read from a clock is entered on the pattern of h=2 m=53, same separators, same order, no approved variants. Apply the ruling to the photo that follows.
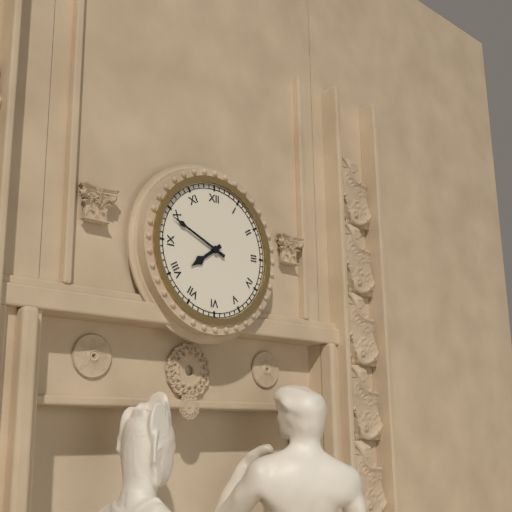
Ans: h=7 m=49
